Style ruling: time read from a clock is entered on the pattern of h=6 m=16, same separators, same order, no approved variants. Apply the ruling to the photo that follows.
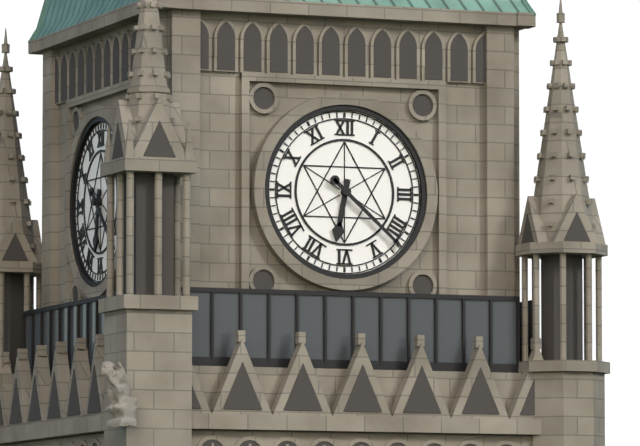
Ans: h=6 m=22
